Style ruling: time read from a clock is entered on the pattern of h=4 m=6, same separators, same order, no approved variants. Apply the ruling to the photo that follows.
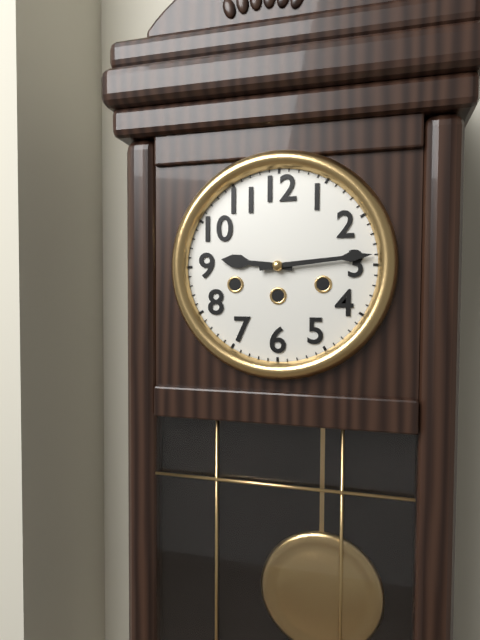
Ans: h=9 m=14
